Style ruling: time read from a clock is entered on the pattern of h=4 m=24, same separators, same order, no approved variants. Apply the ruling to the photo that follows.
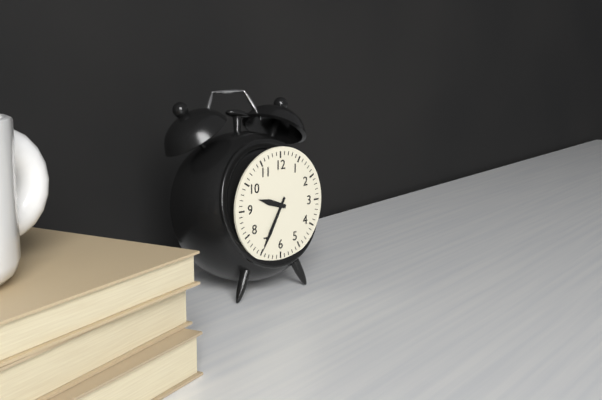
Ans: h=9 m=35
